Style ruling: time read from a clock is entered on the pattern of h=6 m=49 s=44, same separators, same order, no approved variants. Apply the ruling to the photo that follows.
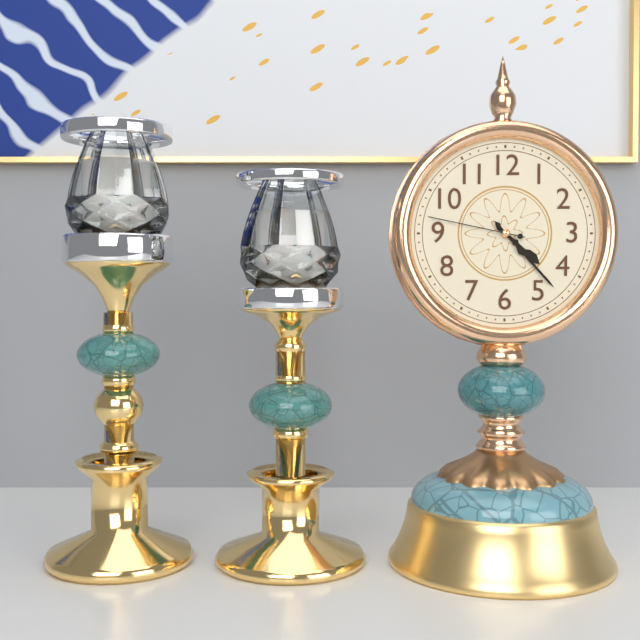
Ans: h=4 m=23 s=47
